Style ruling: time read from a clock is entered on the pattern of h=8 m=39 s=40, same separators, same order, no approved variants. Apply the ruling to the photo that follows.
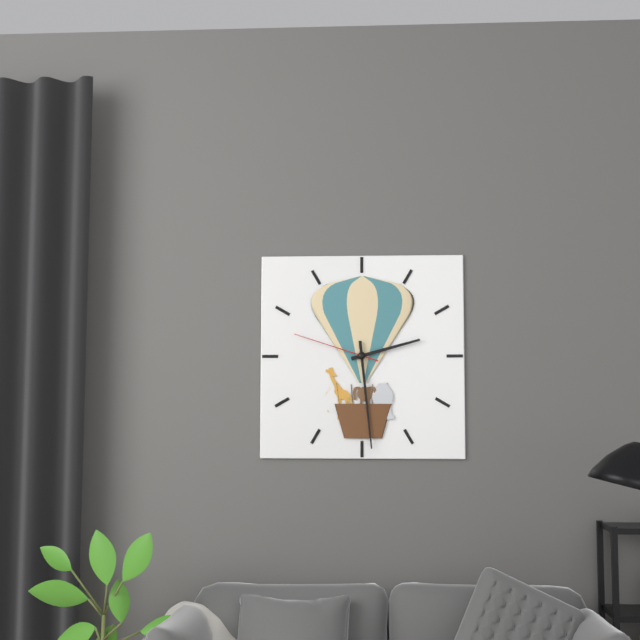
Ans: h=2 m=29 s=48
